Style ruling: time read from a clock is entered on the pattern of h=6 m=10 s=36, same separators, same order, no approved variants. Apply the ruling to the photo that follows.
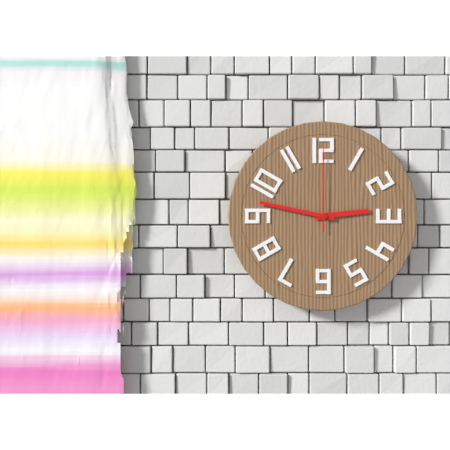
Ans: h=2 m=47 s=0
